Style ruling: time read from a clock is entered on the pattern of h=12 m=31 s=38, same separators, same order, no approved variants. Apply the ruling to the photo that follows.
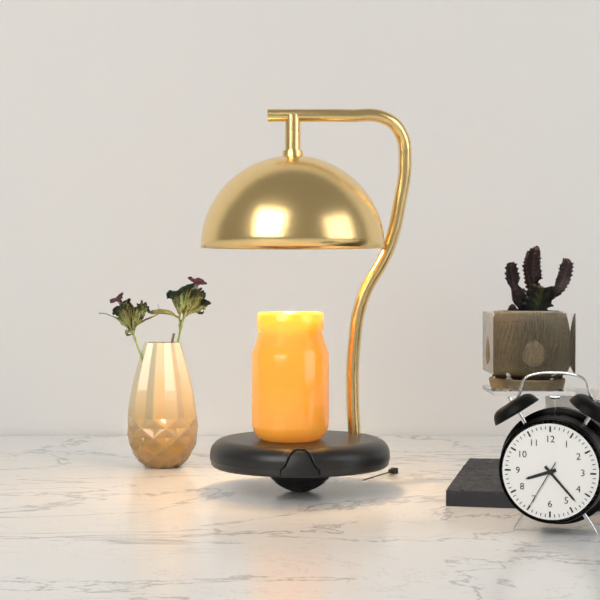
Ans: h=8 m=23 s=35
